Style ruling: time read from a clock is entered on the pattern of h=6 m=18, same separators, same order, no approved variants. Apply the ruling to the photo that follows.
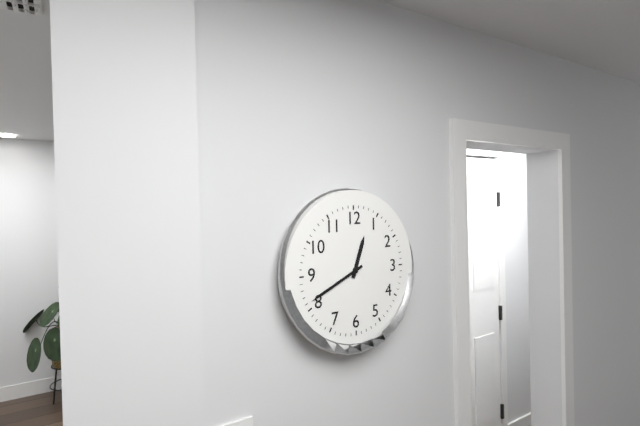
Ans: h=12 m=41
